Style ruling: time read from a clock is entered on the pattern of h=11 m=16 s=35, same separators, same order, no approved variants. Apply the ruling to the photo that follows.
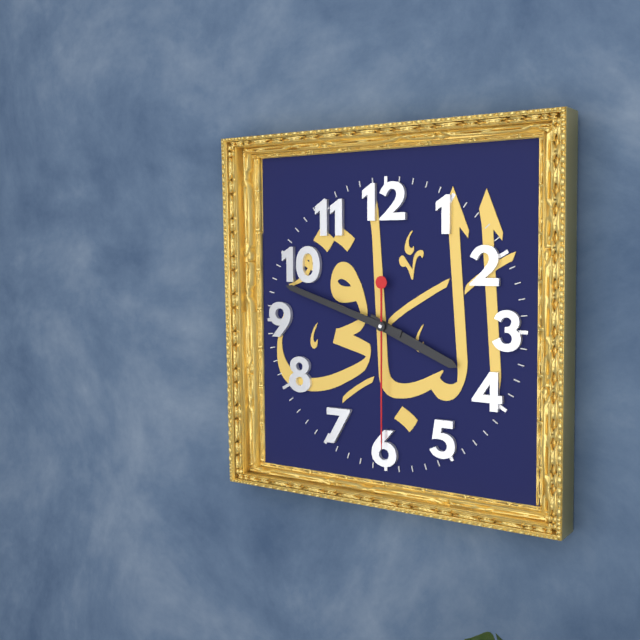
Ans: h=3 m=48 s=30
